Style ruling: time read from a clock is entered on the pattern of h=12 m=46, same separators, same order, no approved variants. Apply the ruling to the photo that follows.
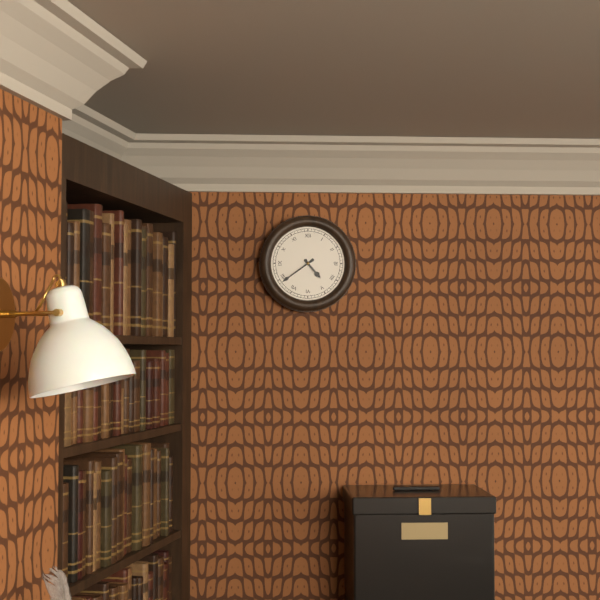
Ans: h=4 m=39
